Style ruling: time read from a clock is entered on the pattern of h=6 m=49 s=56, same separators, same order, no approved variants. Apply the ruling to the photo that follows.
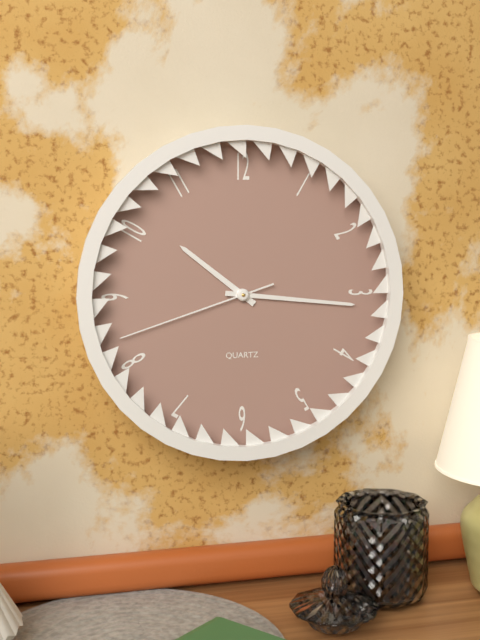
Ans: h=10 m=16 s=42
